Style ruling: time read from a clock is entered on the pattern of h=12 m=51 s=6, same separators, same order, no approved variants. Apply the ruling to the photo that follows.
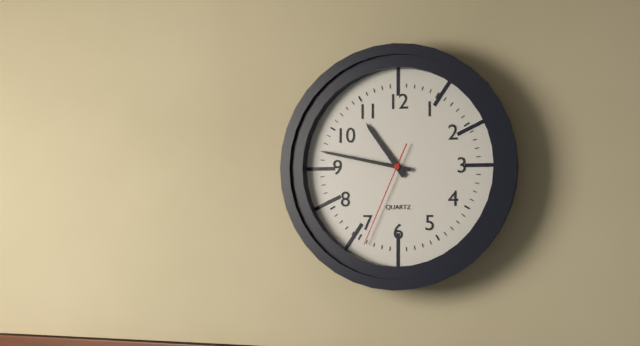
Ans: h=10 m=47 s=34
